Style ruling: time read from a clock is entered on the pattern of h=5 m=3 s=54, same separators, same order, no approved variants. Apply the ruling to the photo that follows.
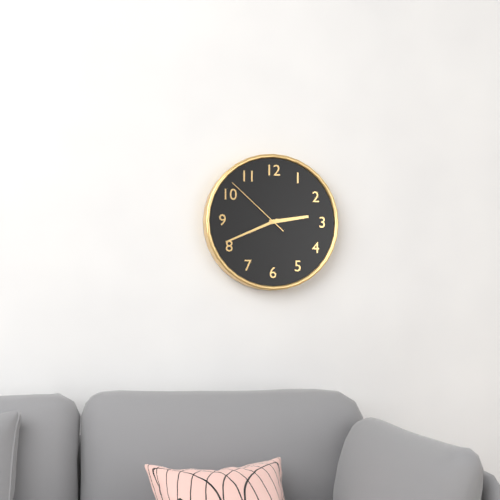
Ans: h=2 m=41 s=52
